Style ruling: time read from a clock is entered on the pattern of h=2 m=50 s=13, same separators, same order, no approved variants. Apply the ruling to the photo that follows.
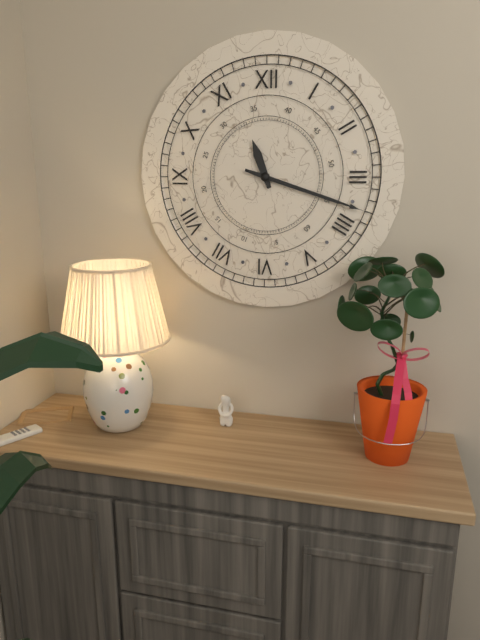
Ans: h=11 m=18 s=18
